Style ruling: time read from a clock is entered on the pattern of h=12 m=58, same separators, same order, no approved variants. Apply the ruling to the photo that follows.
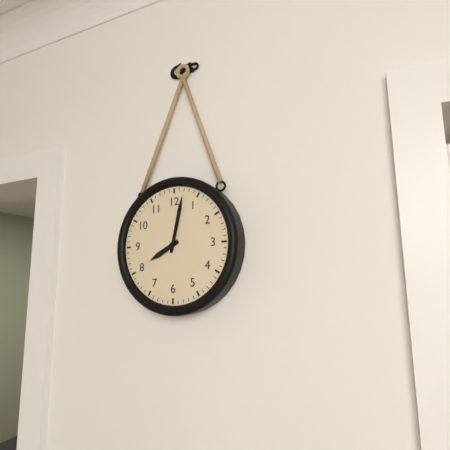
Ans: h=8 m=2
